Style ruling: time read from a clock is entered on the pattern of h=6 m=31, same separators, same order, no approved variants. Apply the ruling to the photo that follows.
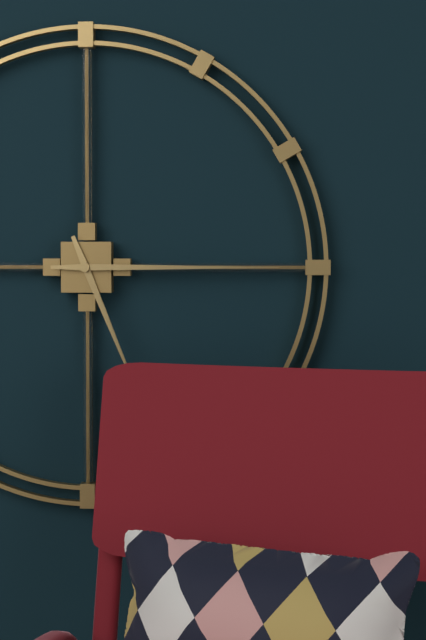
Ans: h=5 m=15
